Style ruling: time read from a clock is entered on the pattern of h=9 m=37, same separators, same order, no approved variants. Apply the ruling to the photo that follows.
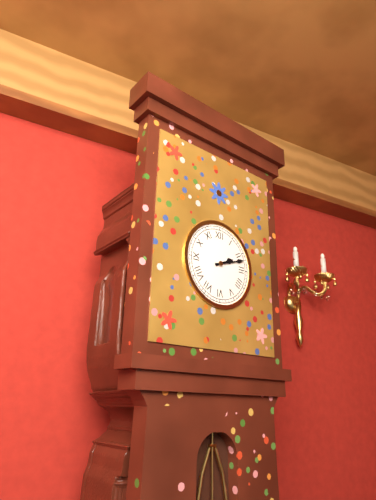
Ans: h=2 m=12
